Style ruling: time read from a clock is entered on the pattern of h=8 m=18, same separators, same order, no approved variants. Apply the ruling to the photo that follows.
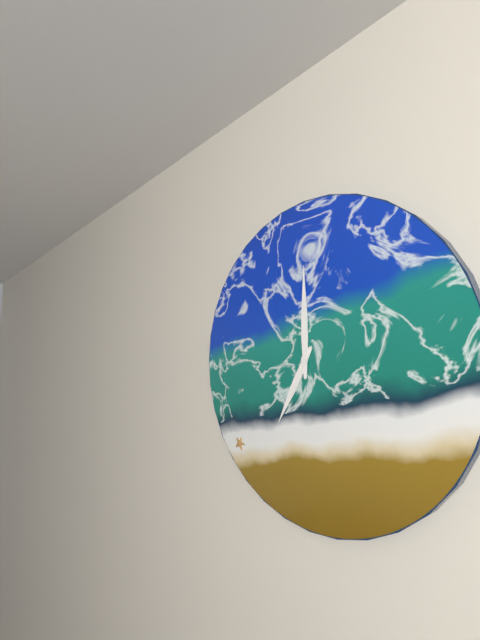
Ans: h=7 m=0
